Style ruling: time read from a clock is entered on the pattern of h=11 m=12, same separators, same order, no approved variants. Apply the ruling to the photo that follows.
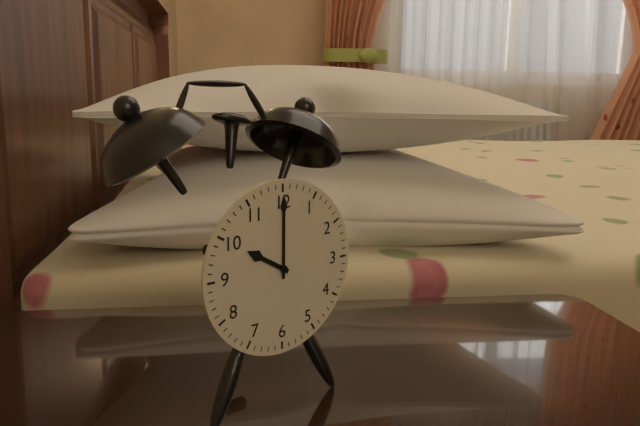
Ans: h=10 m=0
